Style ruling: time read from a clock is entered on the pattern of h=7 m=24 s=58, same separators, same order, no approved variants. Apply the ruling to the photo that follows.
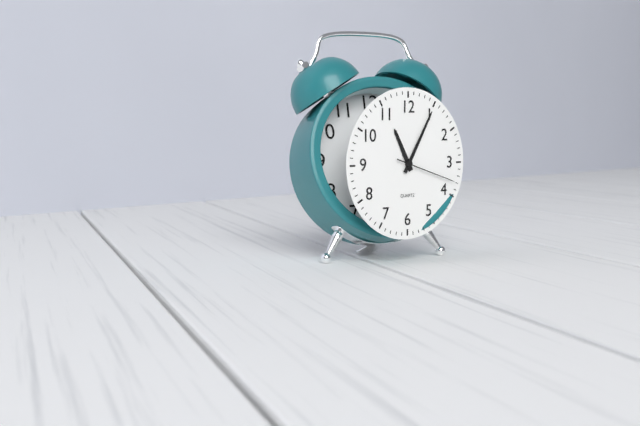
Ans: h=11 m=5 s=18
